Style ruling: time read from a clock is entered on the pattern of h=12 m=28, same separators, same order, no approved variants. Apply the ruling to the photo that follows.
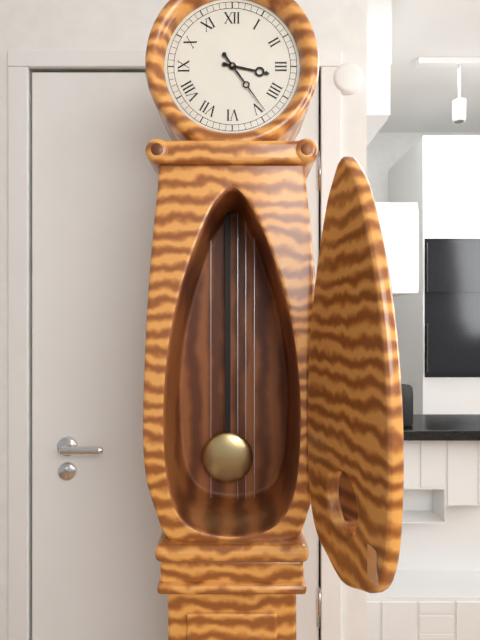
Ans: h=3 m=24
